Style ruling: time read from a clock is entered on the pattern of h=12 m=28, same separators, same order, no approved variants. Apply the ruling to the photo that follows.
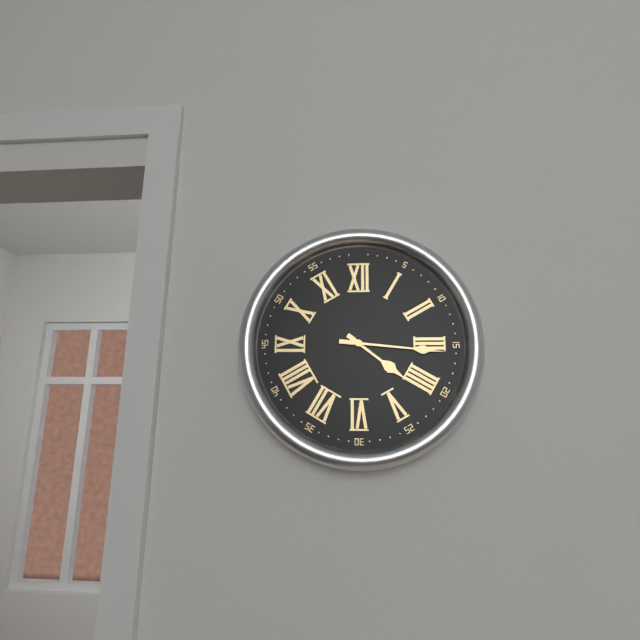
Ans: h=4 m=16
